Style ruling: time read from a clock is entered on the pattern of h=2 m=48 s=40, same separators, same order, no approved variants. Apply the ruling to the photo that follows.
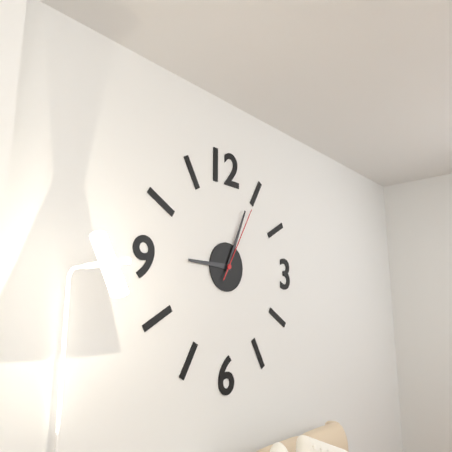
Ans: h=9 m=4 s=5
